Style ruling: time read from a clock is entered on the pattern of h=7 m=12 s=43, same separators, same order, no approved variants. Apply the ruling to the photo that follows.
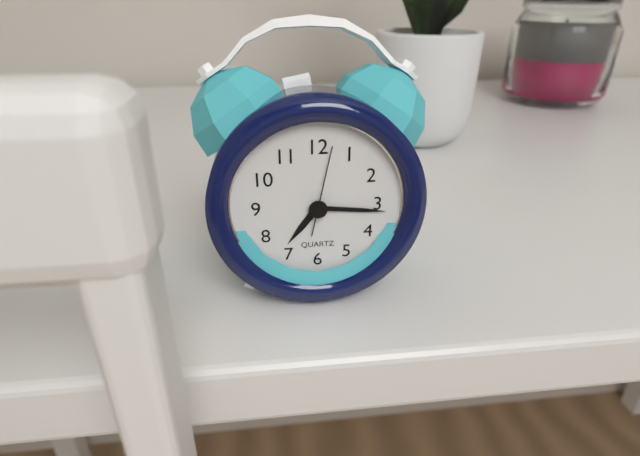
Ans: h=7 m=16 s=2
